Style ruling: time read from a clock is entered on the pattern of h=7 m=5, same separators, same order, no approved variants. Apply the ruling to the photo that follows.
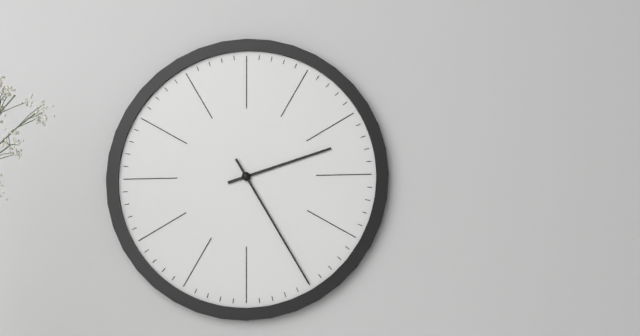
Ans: h=2 m=25
